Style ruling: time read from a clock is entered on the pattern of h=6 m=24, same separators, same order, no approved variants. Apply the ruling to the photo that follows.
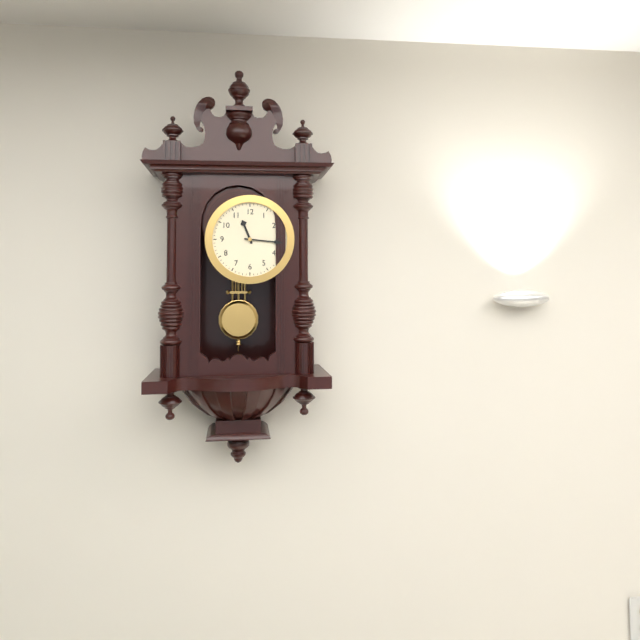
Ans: h=11 m=16
